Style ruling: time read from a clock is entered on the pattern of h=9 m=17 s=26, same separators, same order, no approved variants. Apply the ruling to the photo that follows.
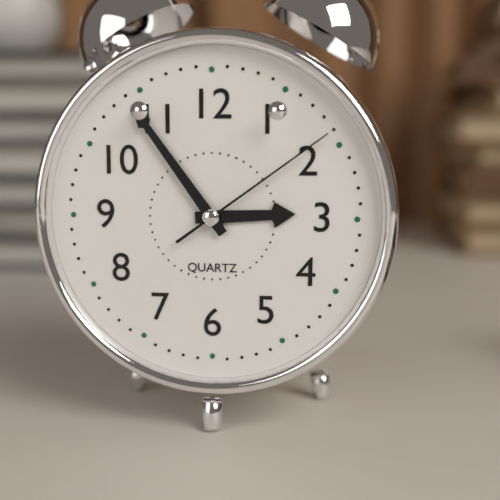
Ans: h=2 m=54 s=9
